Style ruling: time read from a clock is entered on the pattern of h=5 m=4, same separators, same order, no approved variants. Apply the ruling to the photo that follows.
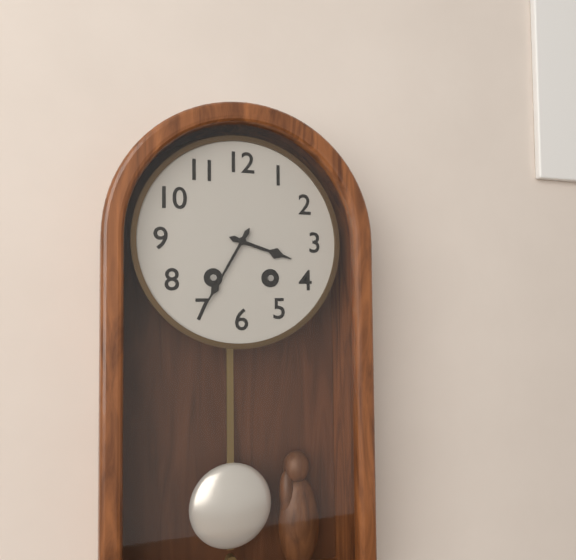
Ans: h=3 m=35
